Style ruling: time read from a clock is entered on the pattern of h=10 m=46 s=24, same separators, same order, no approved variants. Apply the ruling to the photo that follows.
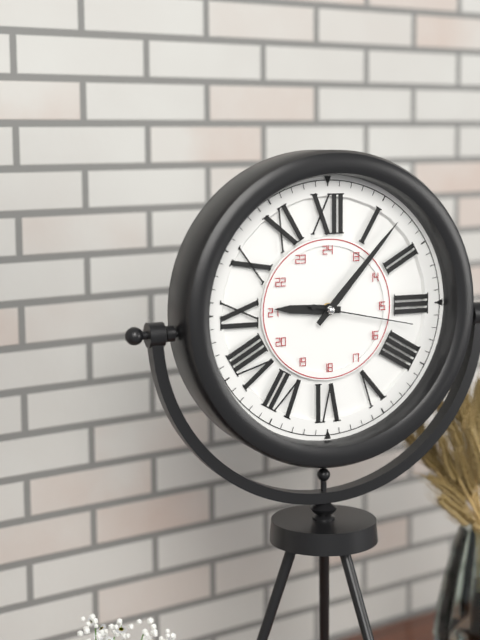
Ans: h=9 m=7 s=17
